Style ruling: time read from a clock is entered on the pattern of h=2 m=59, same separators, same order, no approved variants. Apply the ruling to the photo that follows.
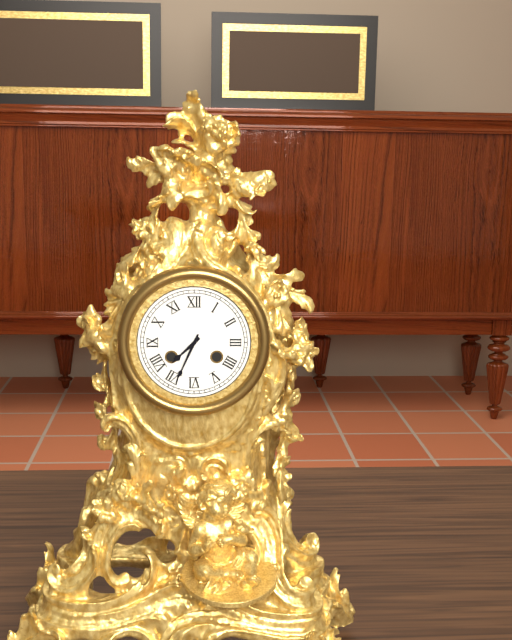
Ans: h=7 m=34
